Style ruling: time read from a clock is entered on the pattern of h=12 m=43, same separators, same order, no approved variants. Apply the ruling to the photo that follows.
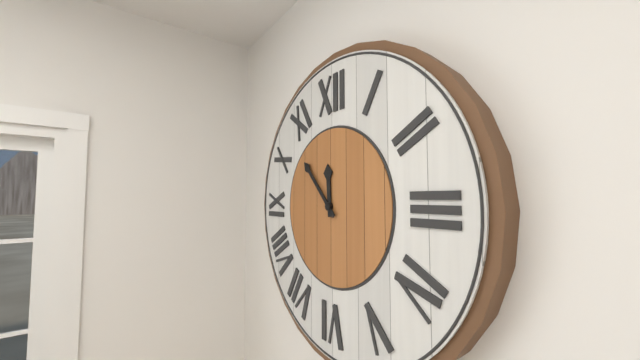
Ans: h=11 m=53
